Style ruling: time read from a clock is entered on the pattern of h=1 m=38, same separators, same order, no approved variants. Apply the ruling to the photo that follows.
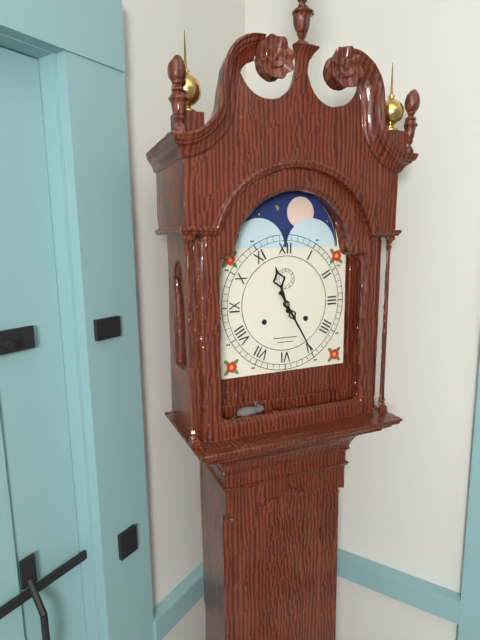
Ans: h=11 m=25
